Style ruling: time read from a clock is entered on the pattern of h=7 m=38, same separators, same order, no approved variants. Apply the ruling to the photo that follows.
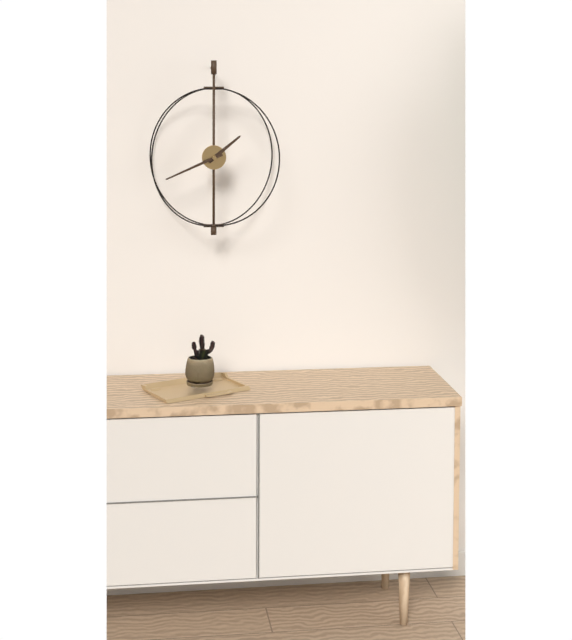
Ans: h=1 m=41
